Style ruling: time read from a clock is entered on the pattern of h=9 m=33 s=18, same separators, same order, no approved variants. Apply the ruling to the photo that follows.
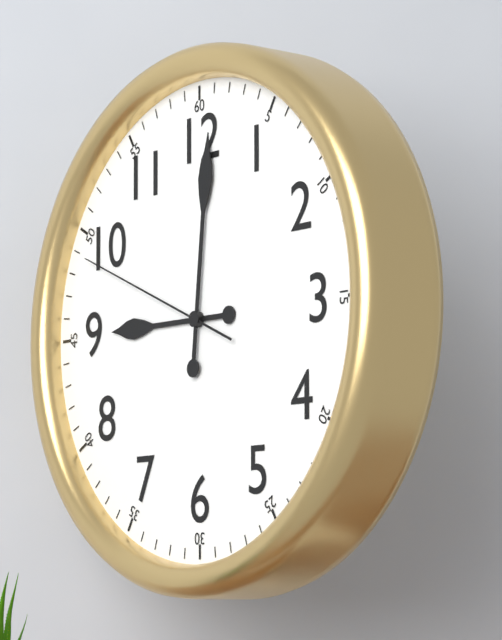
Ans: h=9 m=1 s=49
